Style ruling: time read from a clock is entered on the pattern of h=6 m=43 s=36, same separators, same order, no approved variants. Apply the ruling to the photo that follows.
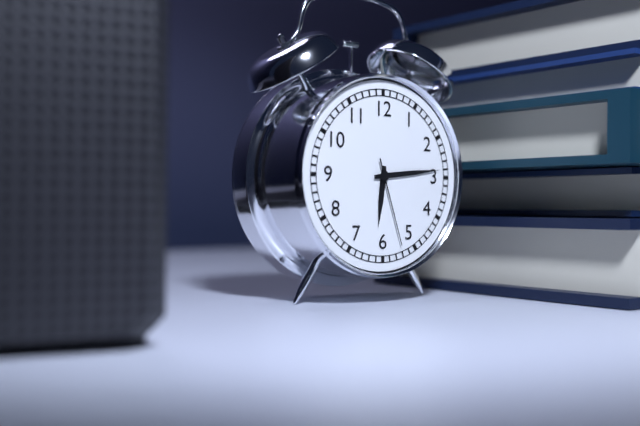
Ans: h=6 m=14 s=27
